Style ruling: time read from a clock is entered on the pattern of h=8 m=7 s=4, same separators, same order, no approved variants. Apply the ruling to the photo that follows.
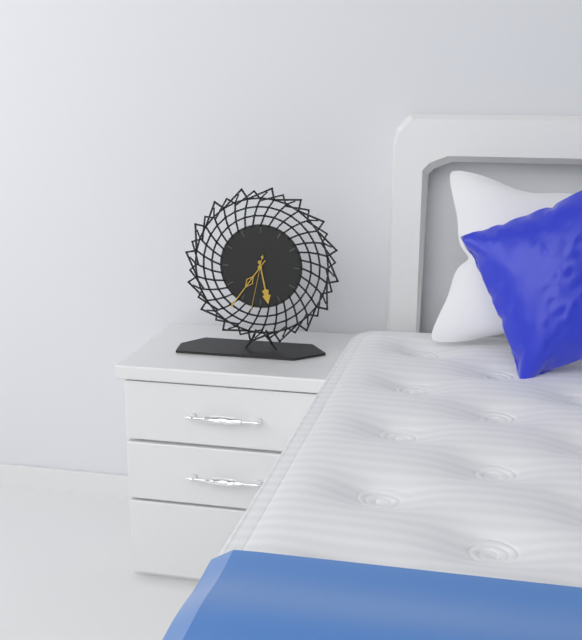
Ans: h=5 m=36 s=32
